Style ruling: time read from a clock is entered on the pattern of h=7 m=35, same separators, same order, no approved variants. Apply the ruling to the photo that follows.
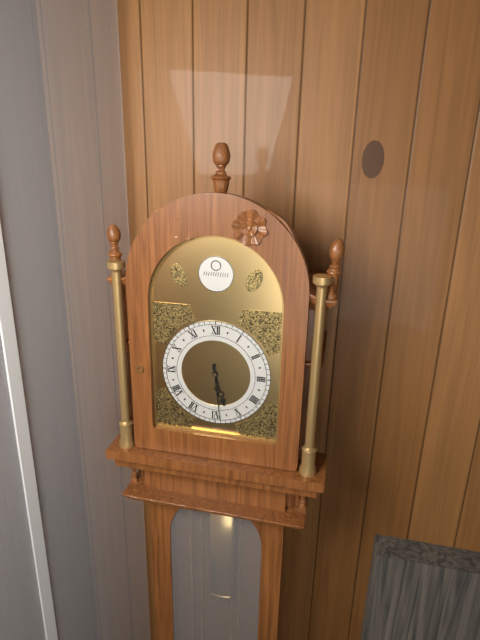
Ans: h=5 m=29
